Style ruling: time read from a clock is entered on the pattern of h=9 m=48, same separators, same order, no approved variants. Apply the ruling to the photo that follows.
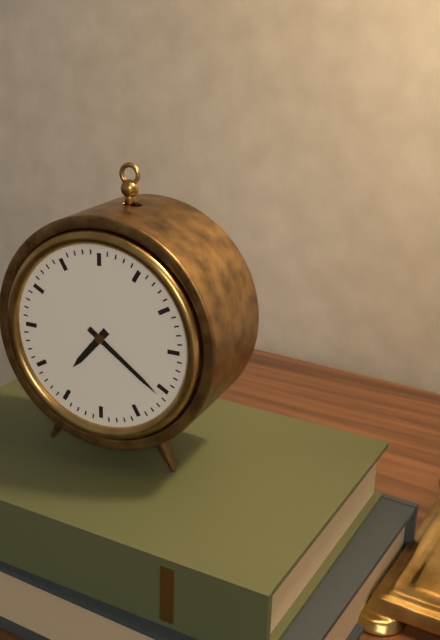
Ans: h=7 m=21
